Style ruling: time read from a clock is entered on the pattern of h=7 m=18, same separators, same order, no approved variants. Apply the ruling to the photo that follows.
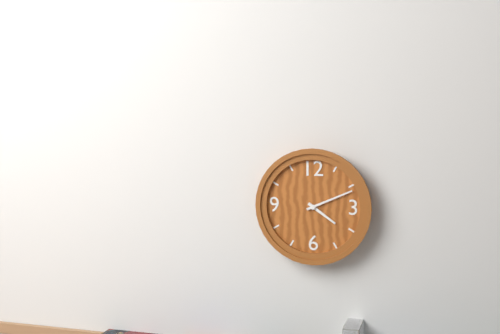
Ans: h=4 m=11
